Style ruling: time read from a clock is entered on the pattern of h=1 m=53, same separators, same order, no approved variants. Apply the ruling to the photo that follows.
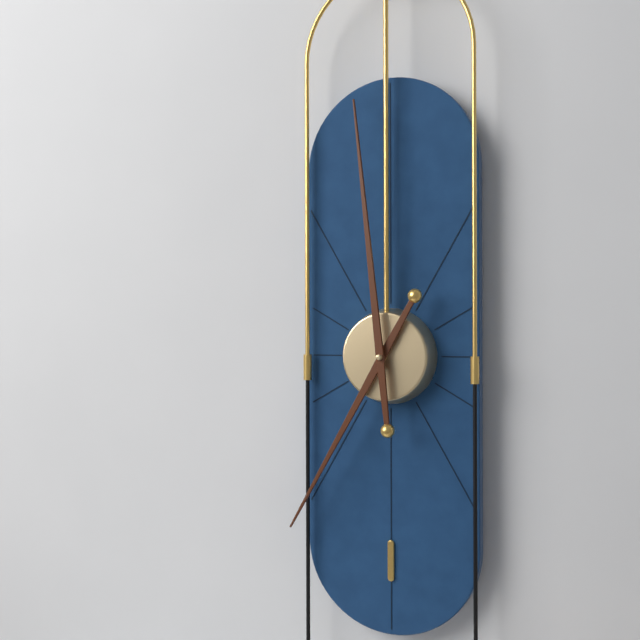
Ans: h=6 m=59
